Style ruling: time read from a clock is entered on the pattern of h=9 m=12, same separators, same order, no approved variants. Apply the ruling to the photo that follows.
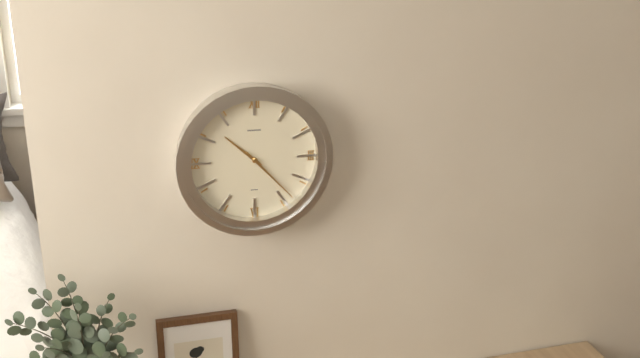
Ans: h=10 m=23
